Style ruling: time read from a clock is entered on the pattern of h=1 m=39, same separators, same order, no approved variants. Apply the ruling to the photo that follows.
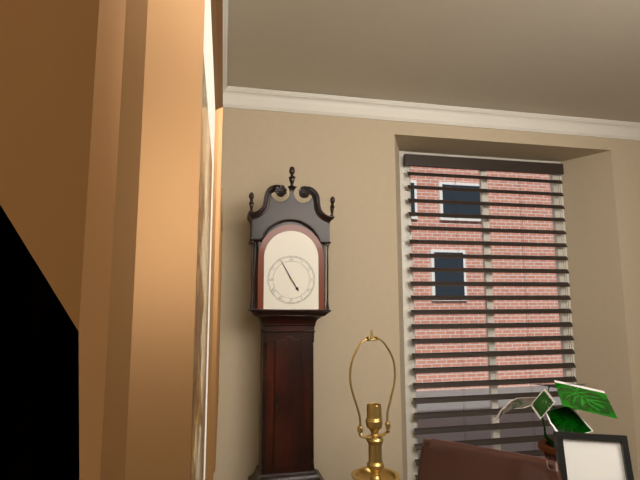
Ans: h=4 m=55
